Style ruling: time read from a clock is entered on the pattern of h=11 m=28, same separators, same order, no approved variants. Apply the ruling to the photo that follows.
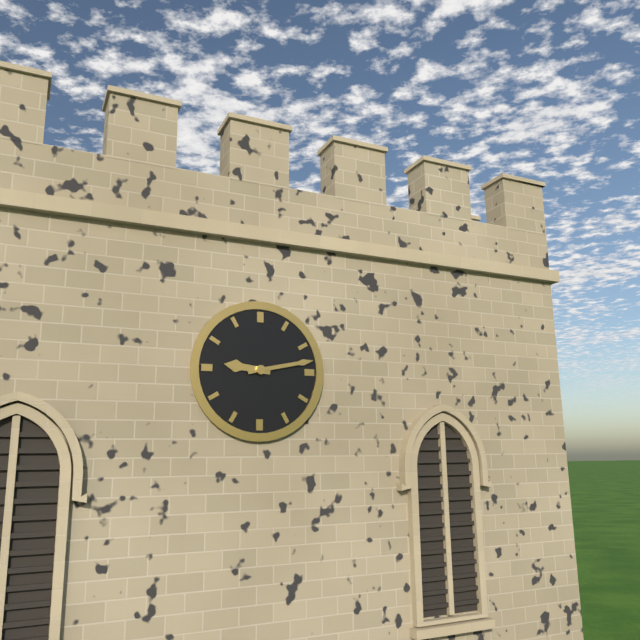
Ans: h=9 m=13
